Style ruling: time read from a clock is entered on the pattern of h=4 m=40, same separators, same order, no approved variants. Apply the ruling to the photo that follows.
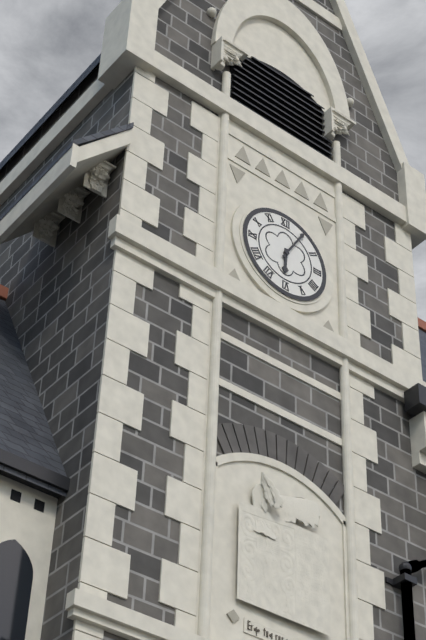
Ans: h=6 m=5
